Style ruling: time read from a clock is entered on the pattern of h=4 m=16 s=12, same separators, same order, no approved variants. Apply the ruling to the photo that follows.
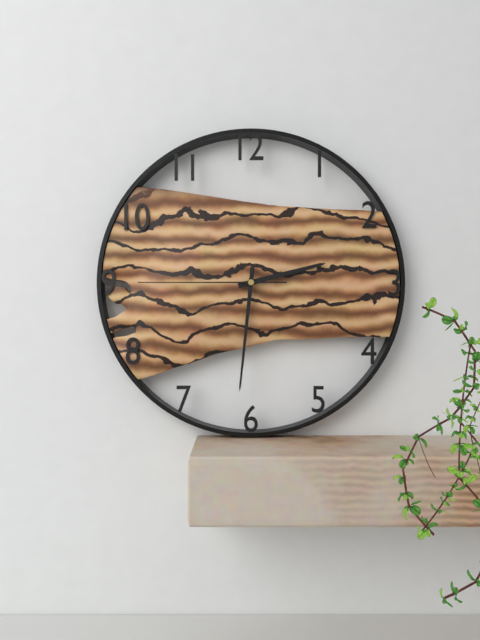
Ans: h=2 m=31 s=45
